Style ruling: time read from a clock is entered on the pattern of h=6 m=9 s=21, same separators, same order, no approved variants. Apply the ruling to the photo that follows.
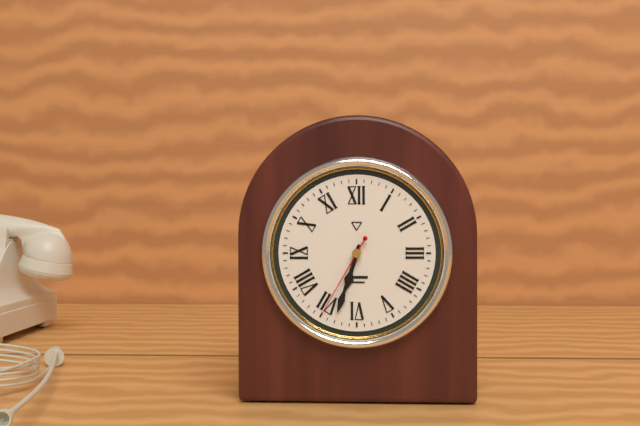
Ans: h=6 m=33 s=35
